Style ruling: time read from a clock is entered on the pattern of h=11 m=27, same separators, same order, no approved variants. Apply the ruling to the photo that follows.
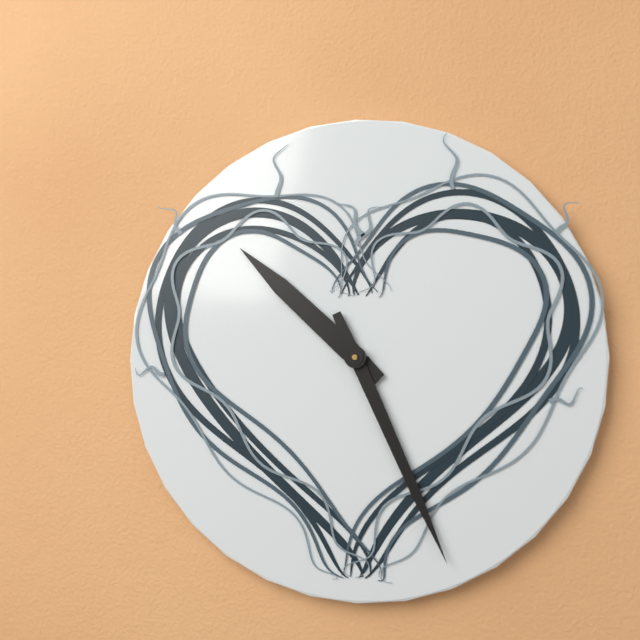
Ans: h=10 m=26
